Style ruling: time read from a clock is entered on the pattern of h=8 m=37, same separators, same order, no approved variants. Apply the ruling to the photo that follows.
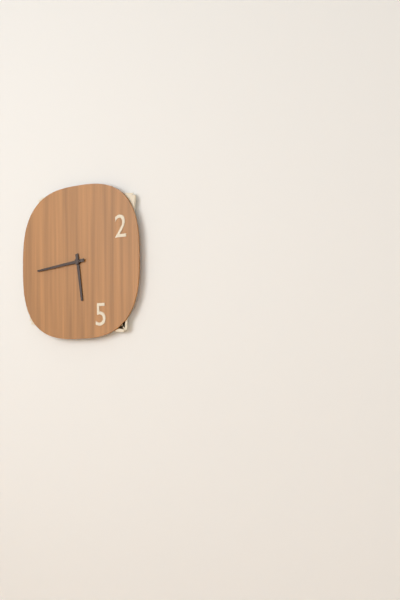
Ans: h=5 m=44
